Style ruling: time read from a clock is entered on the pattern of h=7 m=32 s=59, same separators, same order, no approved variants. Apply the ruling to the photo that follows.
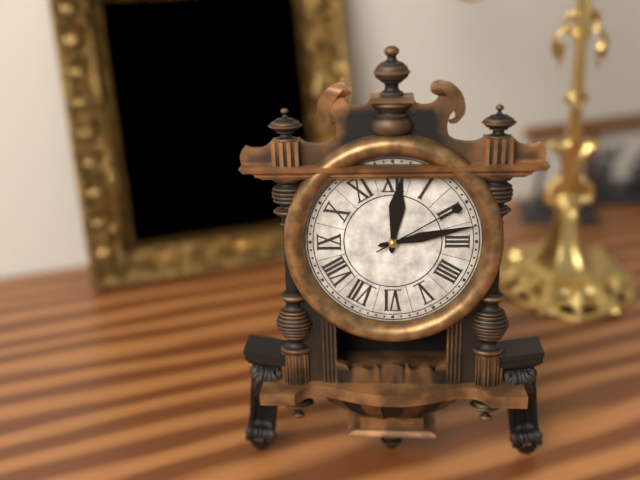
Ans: h=12 m=13 s=10
